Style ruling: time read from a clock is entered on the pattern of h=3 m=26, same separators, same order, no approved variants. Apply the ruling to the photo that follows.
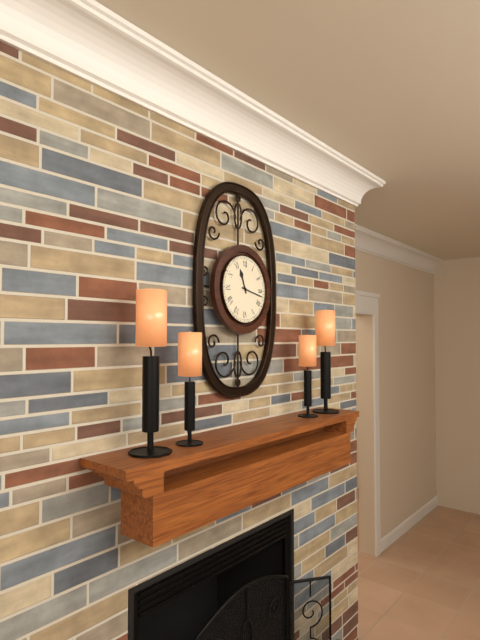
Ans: h=11 m=17
